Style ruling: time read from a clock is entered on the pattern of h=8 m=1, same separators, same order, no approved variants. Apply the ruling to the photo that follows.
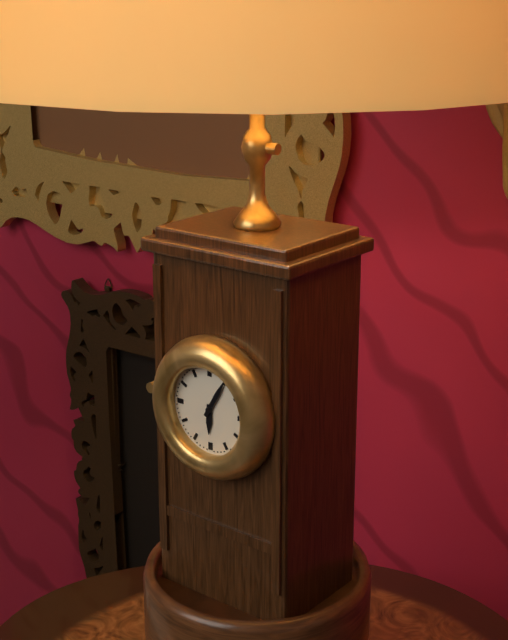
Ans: h=6 m=5
